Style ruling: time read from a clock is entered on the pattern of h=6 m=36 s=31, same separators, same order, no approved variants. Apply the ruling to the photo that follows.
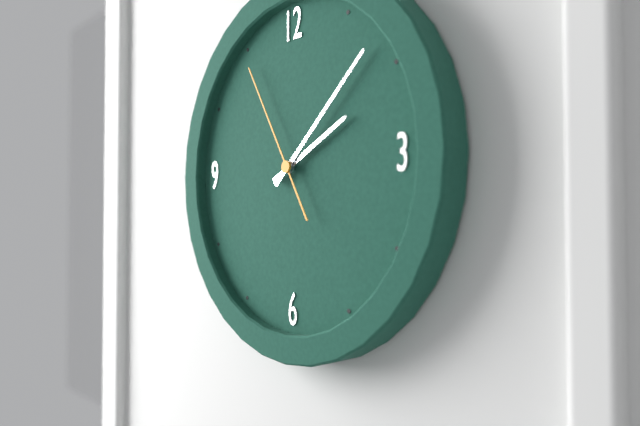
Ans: h=2 m=8 s=55
